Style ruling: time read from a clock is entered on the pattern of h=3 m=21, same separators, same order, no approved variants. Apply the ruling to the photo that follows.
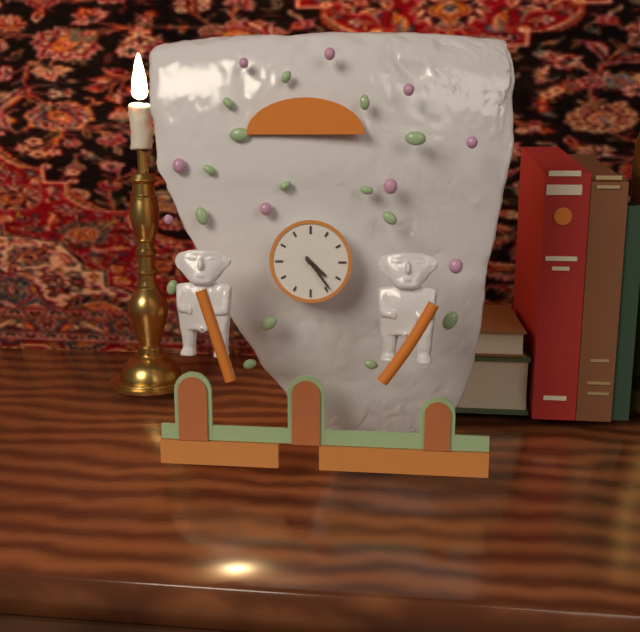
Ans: h=4 m=24
